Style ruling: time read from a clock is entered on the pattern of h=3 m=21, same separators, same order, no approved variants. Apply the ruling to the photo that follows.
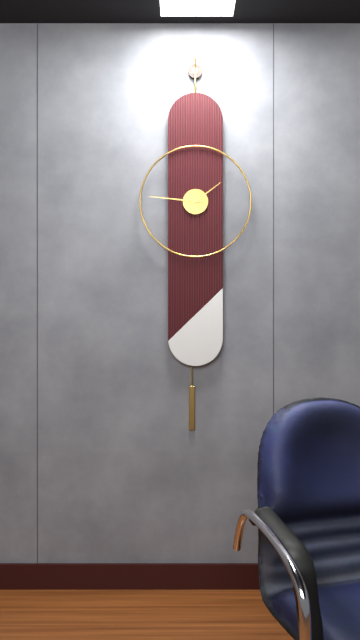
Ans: h=1 m=46
